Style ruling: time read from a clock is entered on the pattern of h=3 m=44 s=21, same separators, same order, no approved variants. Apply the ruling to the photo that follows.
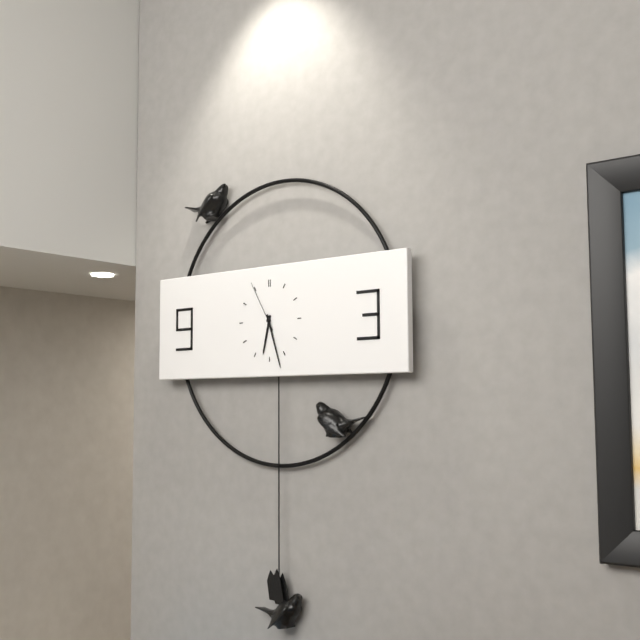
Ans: h=6 m=27 s=55
